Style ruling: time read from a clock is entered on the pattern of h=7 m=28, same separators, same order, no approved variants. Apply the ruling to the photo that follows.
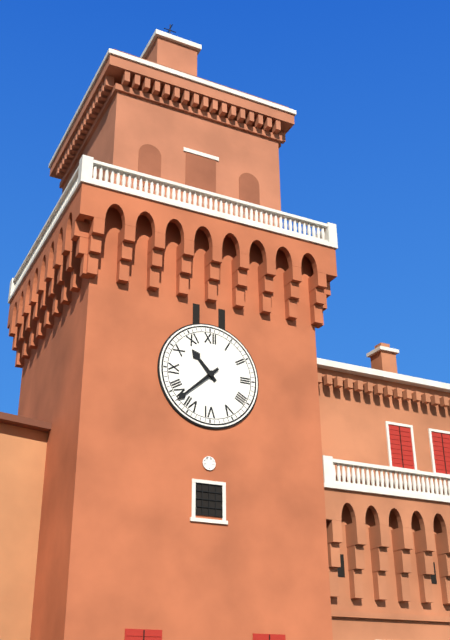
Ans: h=10 m=38
